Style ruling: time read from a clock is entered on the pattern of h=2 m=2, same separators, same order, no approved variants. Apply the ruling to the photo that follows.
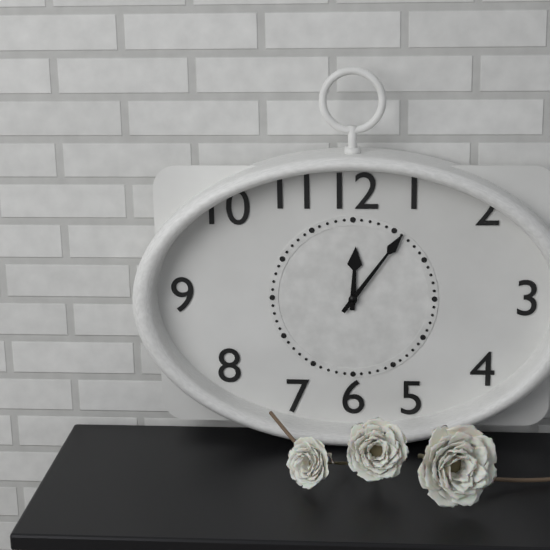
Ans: h=12 m=6
